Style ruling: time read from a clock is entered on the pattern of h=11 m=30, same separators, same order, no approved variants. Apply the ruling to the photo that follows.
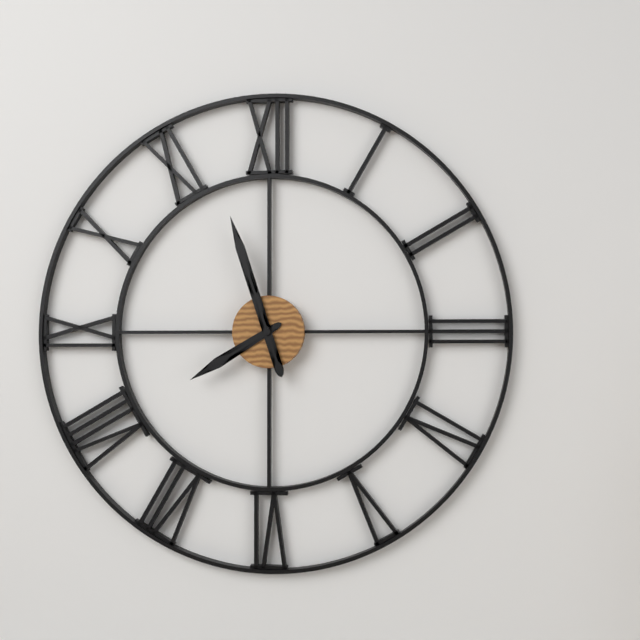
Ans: h=7 m=57
